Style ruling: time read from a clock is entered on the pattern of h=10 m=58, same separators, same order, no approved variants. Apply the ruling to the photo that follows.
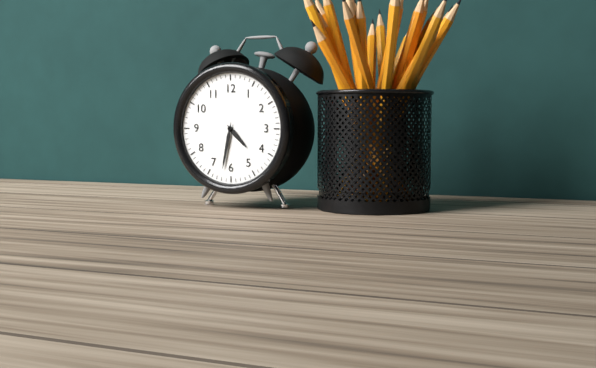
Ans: h=4 m=32
